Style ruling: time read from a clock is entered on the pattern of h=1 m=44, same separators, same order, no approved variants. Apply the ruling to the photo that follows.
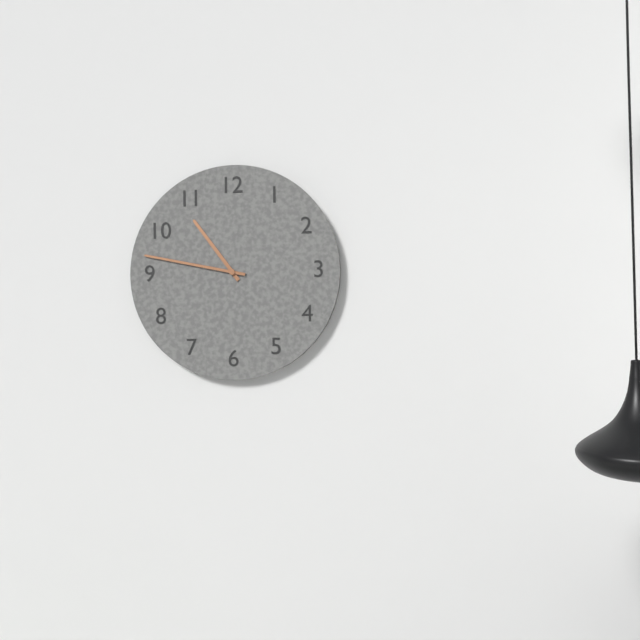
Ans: h=10 m=47
